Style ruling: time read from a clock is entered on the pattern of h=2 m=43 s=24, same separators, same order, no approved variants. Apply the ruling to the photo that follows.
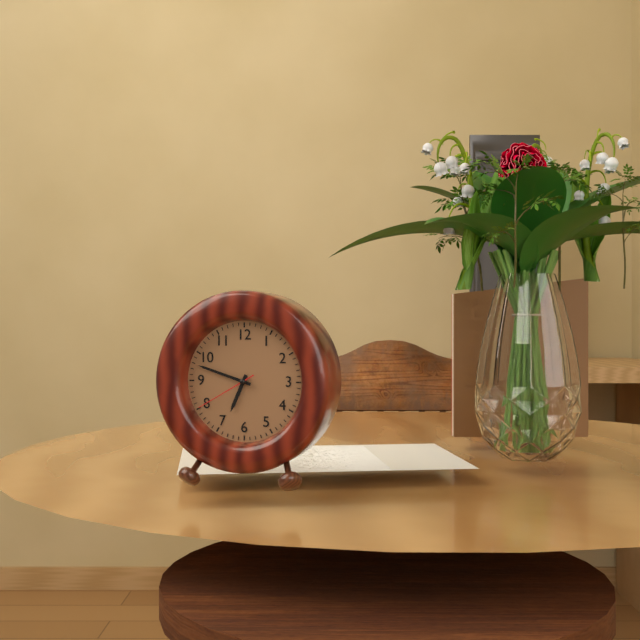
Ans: h=6 m=48 s=40
